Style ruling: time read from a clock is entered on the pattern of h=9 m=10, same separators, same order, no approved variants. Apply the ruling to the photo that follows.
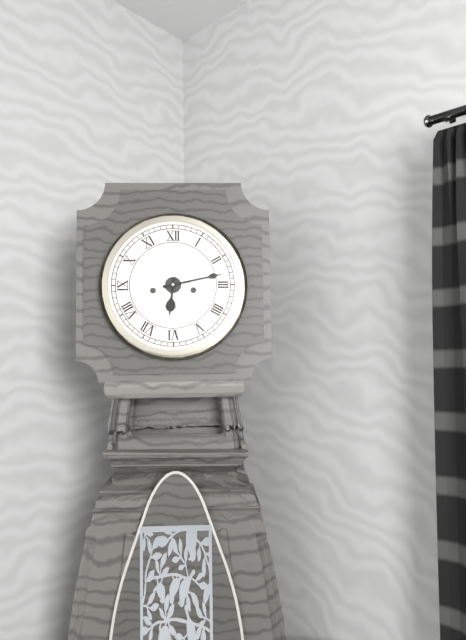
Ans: h=6 m=13
